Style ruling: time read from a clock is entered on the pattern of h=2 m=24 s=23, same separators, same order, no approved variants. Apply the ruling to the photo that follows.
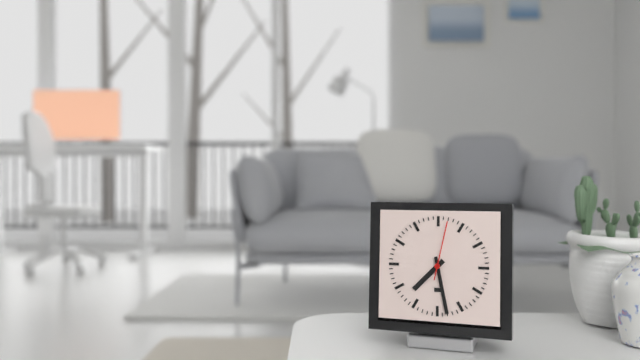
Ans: h=7 m=28 s=2
